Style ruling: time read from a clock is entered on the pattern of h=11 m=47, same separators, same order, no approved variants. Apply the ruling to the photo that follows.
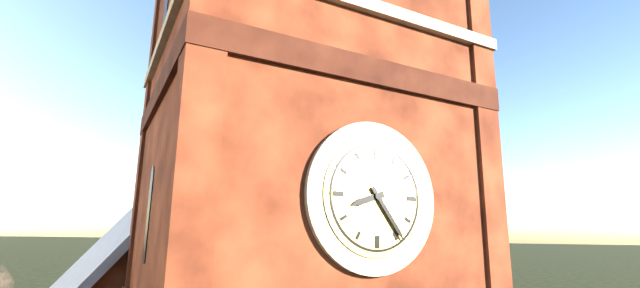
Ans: h=8 m=24
